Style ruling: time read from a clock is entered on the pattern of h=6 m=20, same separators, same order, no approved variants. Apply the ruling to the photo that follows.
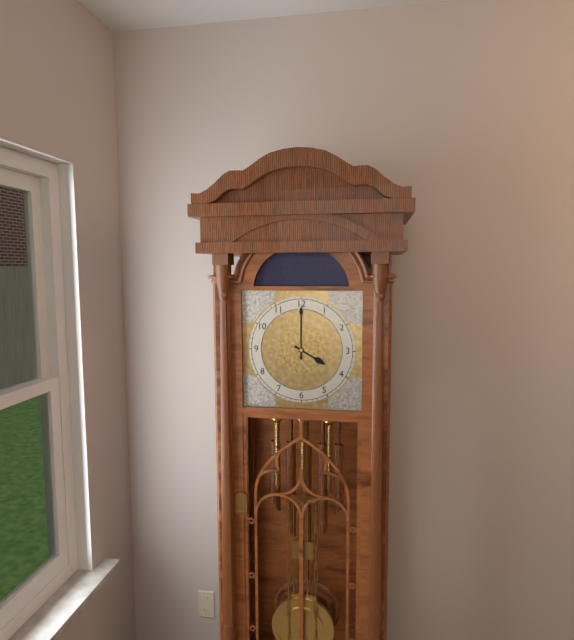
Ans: h=4 m=0
